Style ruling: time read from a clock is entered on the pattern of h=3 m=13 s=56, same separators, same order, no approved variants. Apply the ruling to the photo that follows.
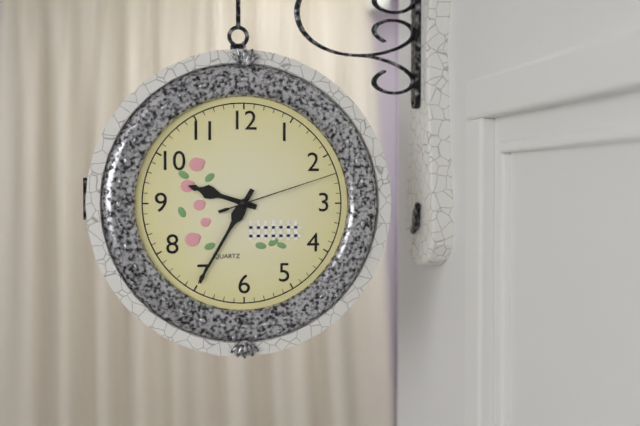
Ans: h=9 m=35 s=12
